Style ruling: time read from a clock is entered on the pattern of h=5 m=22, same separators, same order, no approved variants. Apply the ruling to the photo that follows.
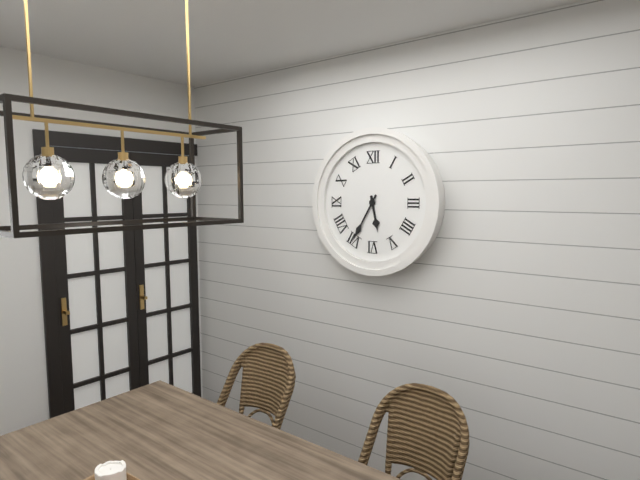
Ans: h=5 m=35
